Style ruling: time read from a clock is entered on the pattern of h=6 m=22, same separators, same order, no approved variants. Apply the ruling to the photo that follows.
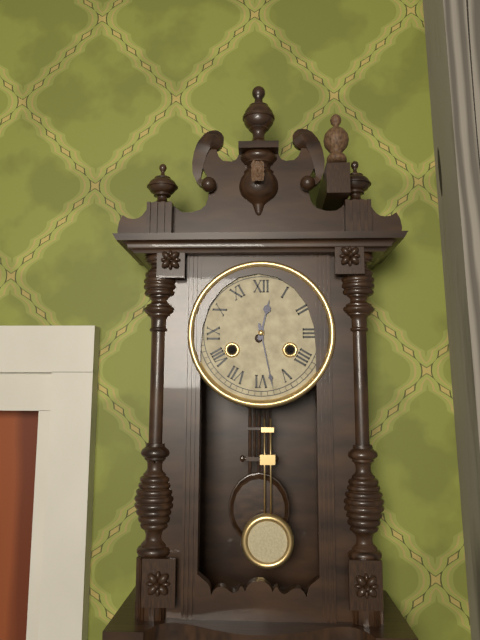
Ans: h=12 m=28
